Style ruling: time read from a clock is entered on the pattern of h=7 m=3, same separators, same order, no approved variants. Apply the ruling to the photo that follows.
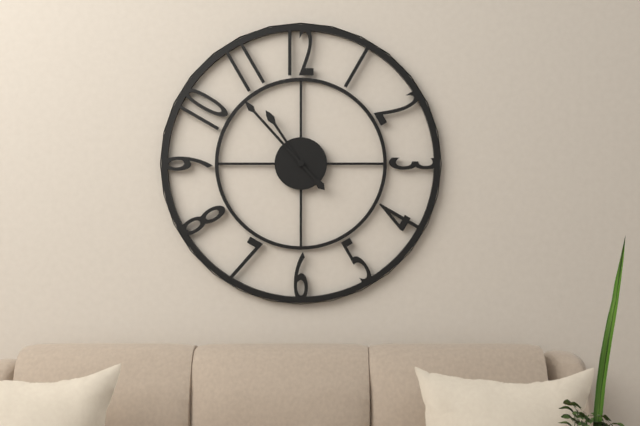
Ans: h=10 m=53
